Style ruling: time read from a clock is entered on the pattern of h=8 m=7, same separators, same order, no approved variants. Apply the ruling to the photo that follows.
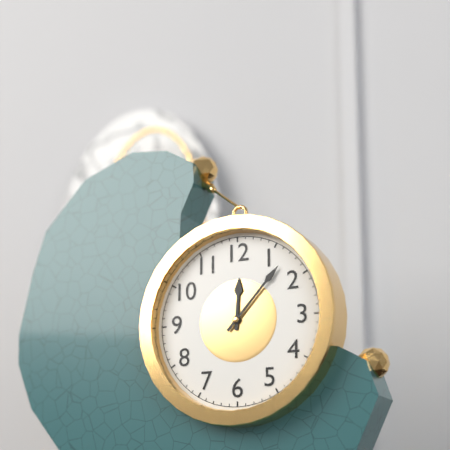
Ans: h=12 m=7
